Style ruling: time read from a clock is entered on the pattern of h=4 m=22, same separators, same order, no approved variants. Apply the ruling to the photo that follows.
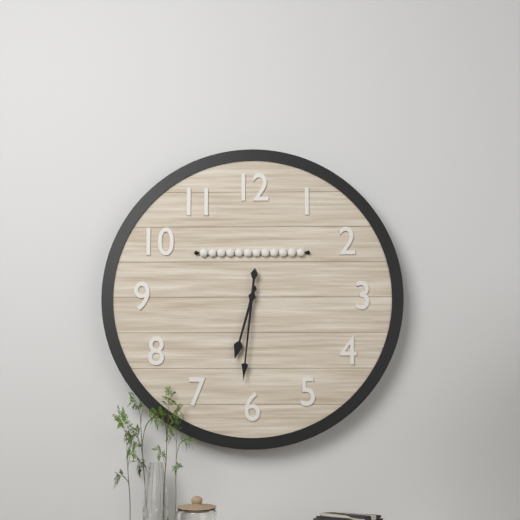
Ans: h=6 m=31
